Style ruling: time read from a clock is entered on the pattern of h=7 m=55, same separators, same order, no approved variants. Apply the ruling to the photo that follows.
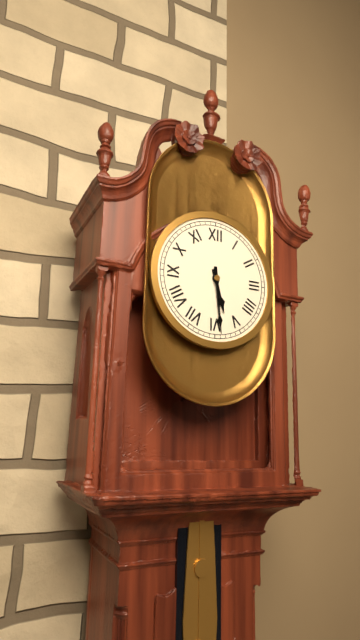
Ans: h=5 m=29
